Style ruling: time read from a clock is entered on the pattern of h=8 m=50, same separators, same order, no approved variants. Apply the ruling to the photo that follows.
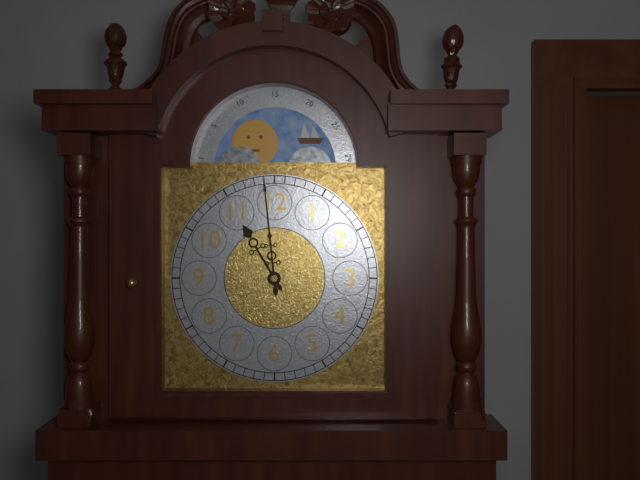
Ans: h=10 m=59
